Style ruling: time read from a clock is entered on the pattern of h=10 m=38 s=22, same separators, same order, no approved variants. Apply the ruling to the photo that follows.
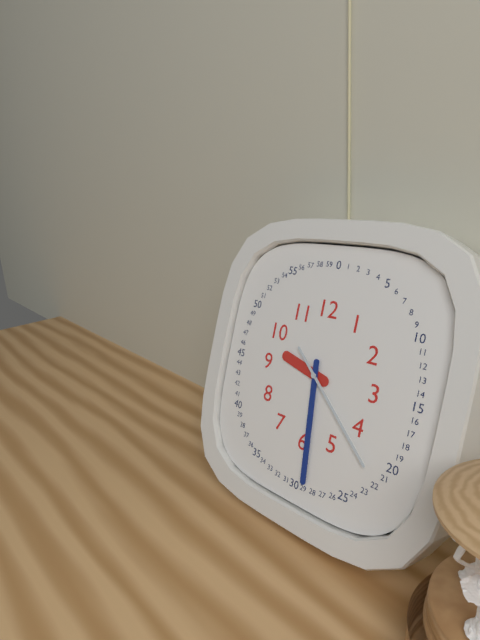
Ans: h=9 m=29 s=22
